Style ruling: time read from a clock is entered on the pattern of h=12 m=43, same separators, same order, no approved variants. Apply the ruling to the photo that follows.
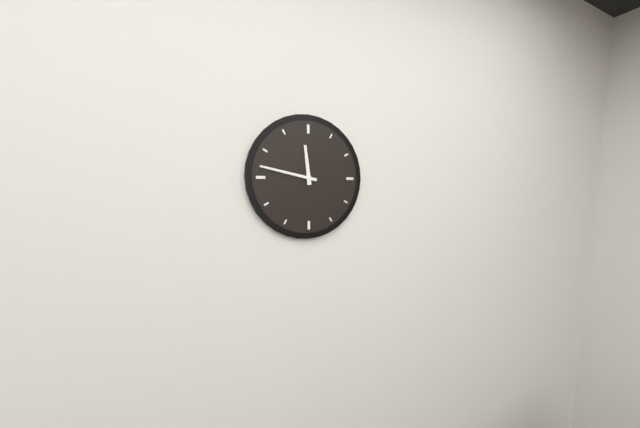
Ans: h=11 m=47
